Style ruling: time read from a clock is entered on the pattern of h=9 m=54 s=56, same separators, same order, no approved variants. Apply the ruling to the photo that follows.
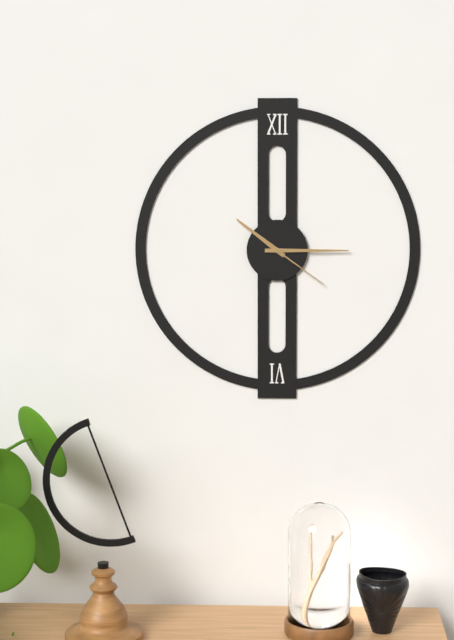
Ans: h=10 m=15 s=21
